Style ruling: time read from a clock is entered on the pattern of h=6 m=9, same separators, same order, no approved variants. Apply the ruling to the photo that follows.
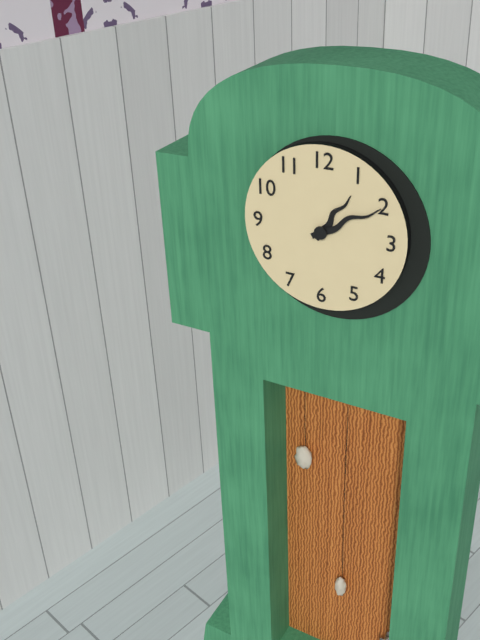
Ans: h=1 m=10
